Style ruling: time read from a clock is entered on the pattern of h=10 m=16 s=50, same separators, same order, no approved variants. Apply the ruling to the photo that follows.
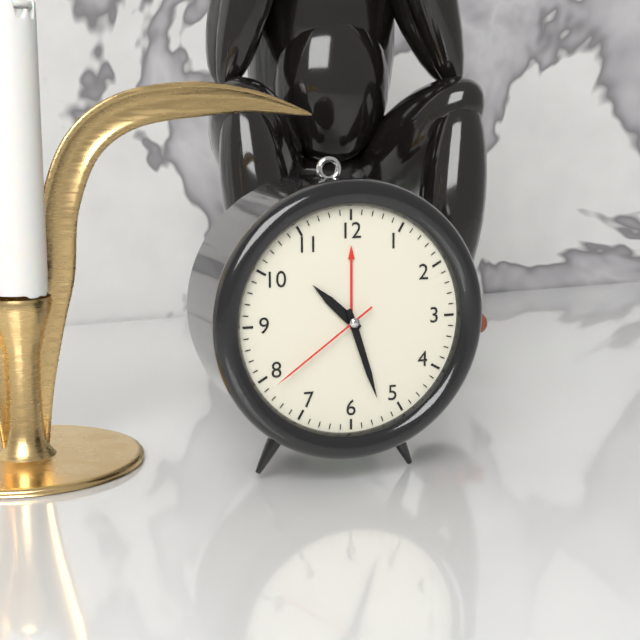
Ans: h=10 m=27 s=39
